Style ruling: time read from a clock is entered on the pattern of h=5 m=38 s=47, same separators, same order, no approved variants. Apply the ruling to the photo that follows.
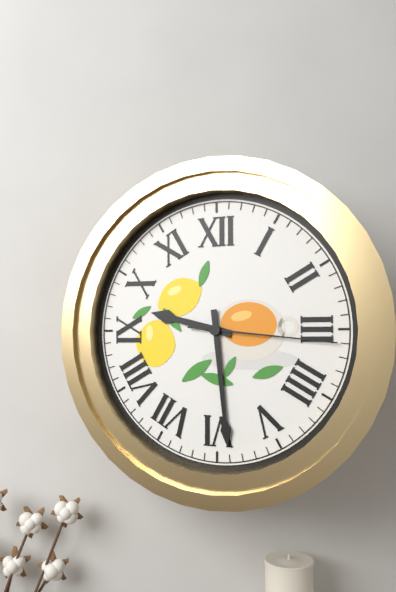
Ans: h=9 m=29 s=16
